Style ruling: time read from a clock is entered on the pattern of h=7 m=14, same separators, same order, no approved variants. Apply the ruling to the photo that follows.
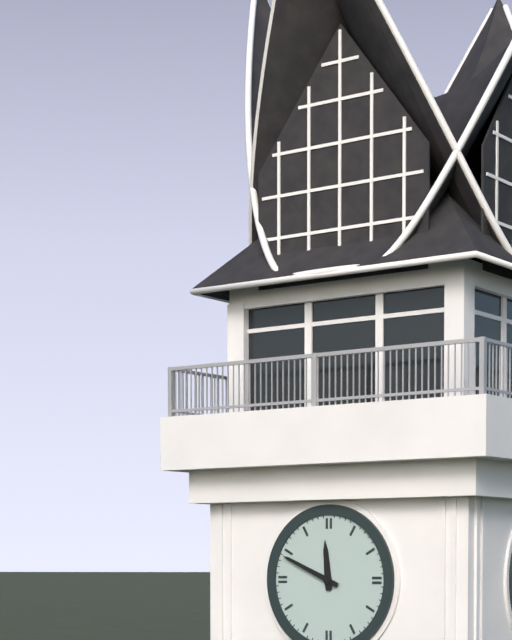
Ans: h=11 m=49
